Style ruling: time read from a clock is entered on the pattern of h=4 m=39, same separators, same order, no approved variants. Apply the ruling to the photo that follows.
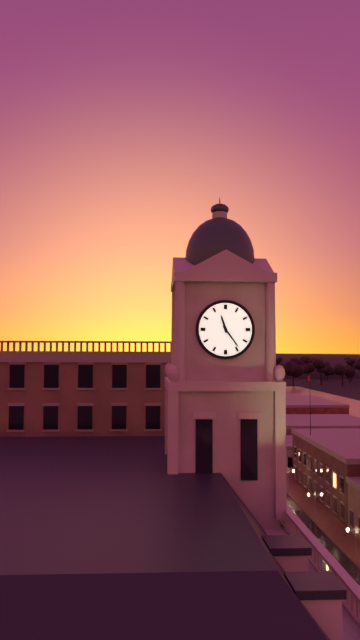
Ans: h=11 m=24
